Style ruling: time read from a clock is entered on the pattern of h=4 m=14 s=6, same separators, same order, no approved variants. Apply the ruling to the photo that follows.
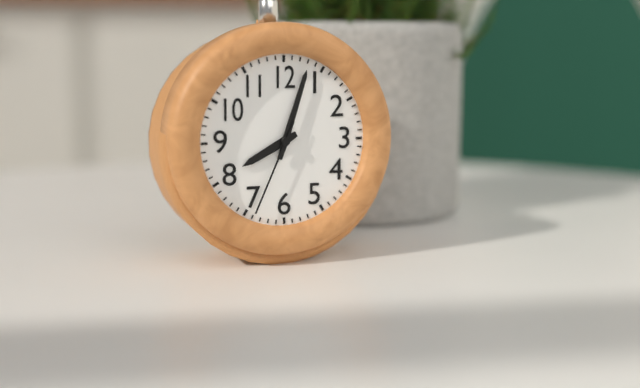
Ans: h=8 m=3 s=34
